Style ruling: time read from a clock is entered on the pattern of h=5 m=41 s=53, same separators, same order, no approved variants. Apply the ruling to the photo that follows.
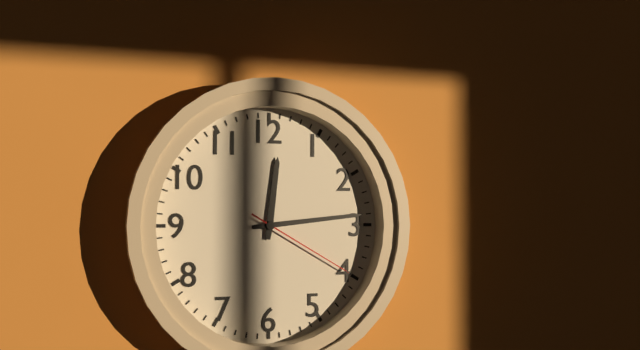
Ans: h=12 m=14 s=20
